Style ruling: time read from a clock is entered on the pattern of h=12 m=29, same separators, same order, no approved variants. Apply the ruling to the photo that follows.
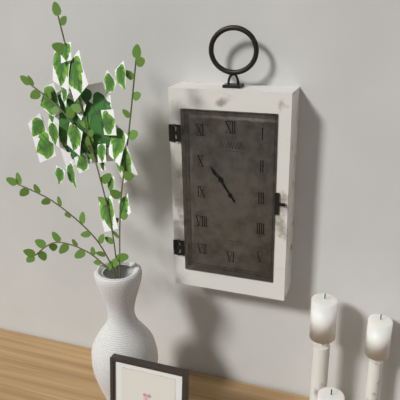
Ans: h=10 m=54
